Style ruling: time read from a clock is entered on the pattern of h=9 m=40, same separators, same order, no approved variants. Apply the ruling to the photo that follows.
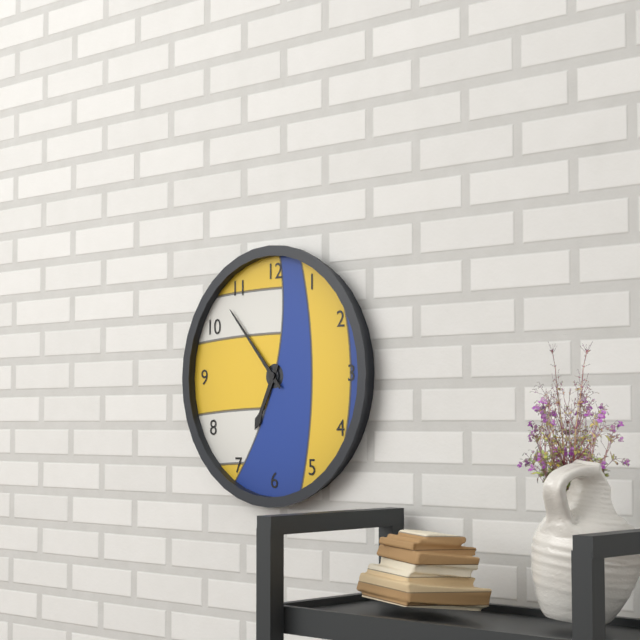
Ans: h=6 m=53
